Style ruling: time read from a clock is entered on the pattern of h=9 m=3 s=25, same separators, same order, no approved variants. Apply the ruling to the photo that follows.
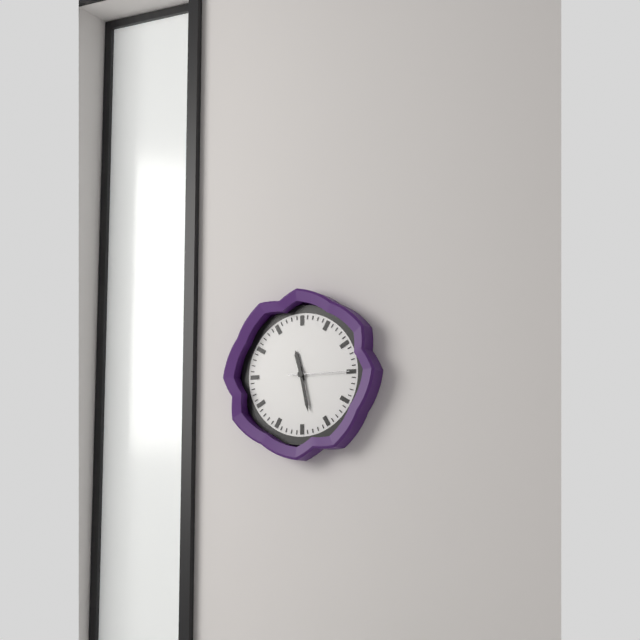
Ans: h=11 m=28 s=15
